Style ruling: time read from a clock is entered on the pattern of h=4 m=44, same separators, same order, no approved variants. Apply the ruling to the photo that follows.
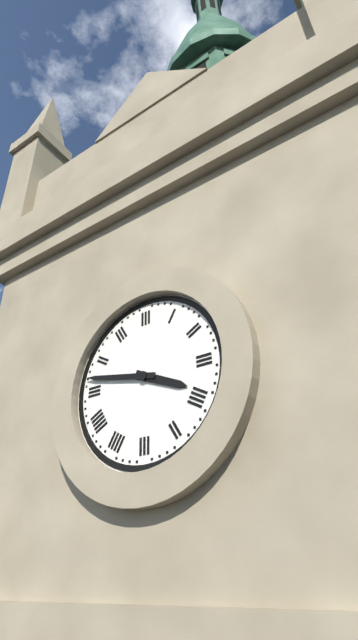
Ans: h=3 m=47
